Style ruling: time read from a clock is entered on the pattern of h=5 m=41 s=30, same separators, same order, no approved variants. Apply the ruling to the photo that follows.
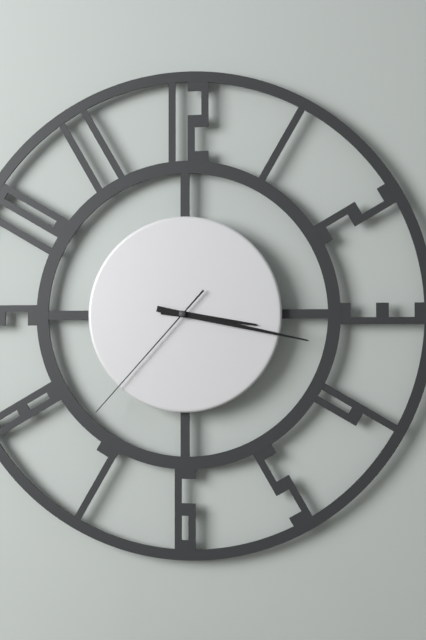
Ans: h=3 m=17 s=37
